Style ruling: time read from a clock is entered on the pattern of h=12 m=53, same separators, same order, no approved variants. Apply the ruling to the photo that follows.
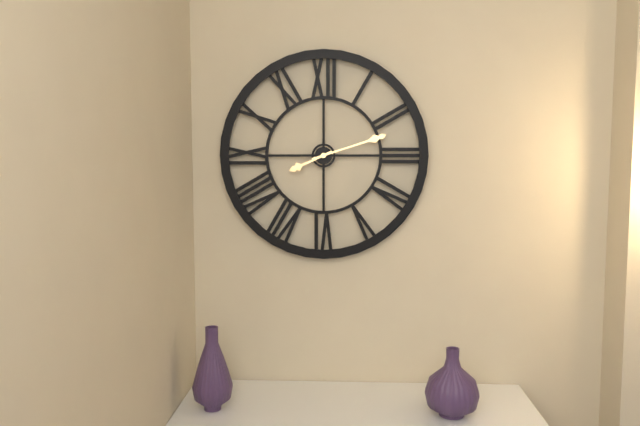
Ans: h=8 m=12
